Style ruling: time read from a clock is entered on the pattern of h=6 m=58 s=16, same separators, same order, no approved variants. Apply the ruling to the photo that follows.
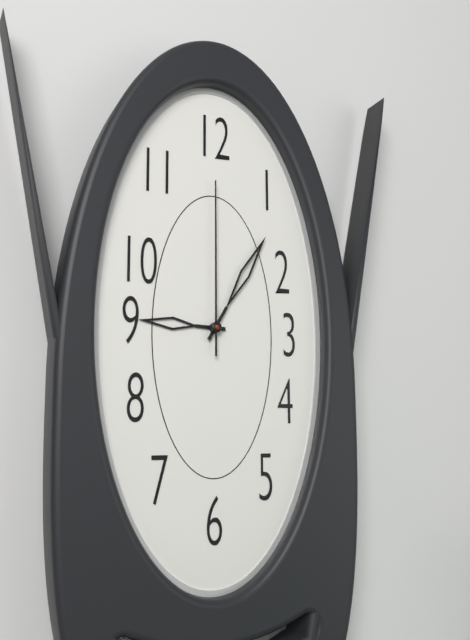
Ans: h=9 m=5 s=0
